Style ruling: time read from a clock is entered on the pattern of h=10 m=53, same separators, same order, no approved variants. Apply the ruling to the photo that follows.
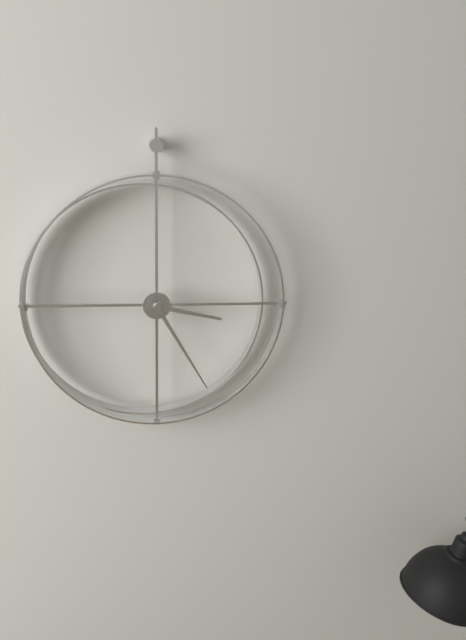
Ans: h=3 m=25
